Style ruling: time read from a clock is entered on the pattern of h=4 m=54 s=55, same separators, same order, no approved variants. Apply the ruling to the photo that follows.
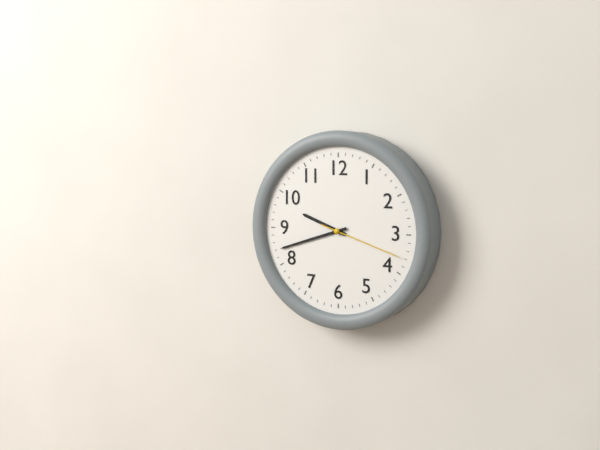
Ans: h=9 m=42 s=18
